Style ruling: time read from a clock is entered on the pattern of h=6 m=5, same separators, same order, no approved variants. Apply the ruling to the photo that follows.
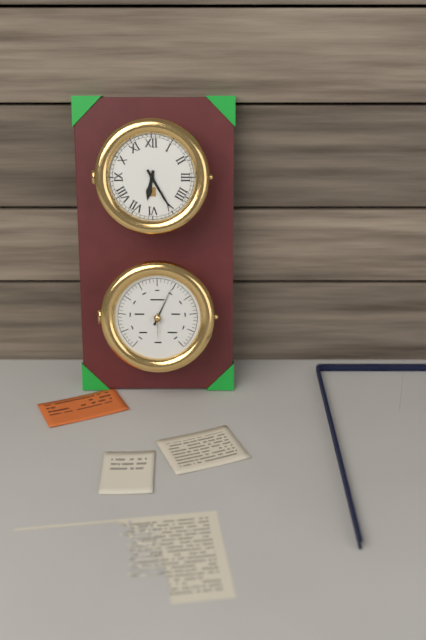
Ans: h=6 m=25
